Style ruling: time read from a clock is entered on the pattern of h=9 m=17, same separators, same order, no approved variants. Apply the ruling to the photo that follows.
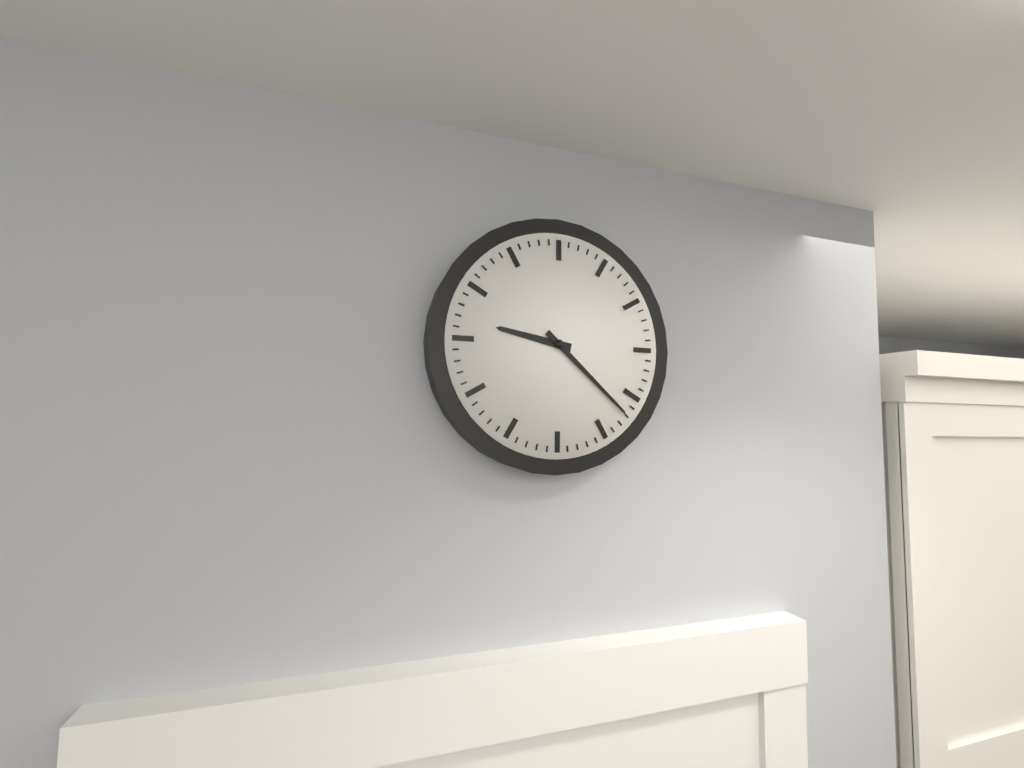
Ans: h=9 m=22
